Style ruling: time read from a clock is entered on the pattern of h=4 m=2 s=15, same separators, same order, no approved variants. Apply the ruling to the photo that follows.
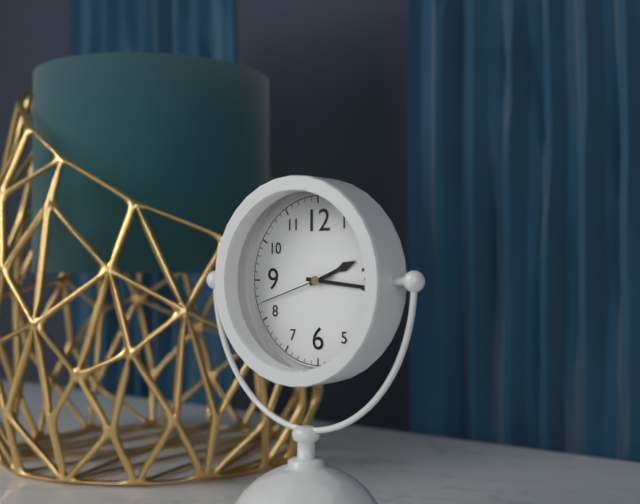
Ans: h=2 m=16 s=42
